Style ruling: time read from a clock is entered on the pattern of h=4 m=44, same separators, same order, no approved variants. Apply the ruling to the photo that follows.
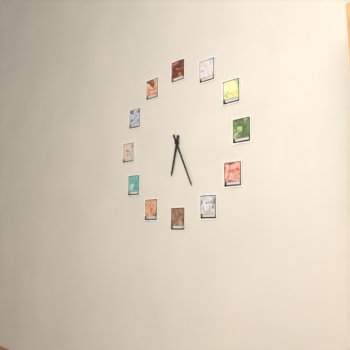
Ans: h=6 m=26
